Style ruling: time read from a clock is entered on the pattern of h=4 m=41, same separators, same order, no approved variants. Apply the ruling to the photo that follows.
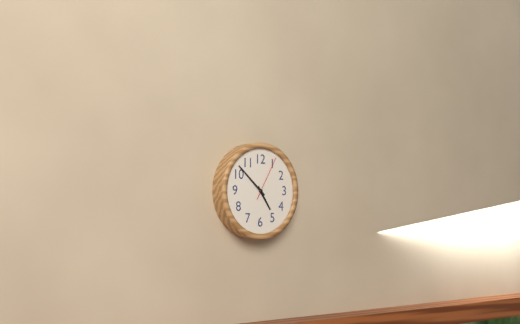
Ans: h=4 m=52
